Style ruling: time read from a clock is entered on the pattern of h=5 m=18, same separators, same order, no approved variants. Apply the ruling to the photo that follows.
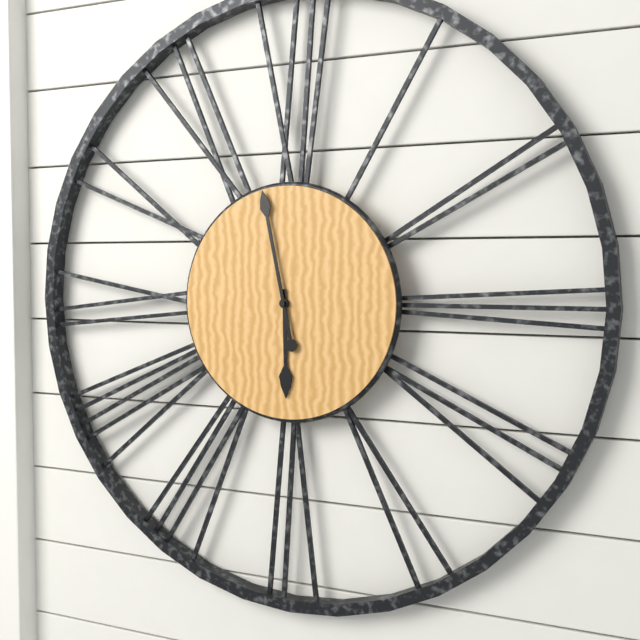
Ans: h=5 m=58
